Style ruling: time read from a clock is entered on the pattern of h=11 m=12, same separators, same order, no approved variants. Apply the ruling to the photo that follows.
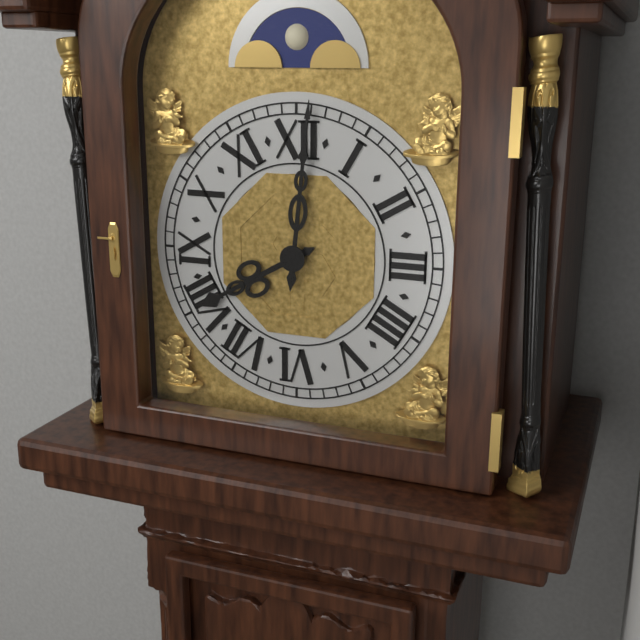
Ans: h=8 m=1
